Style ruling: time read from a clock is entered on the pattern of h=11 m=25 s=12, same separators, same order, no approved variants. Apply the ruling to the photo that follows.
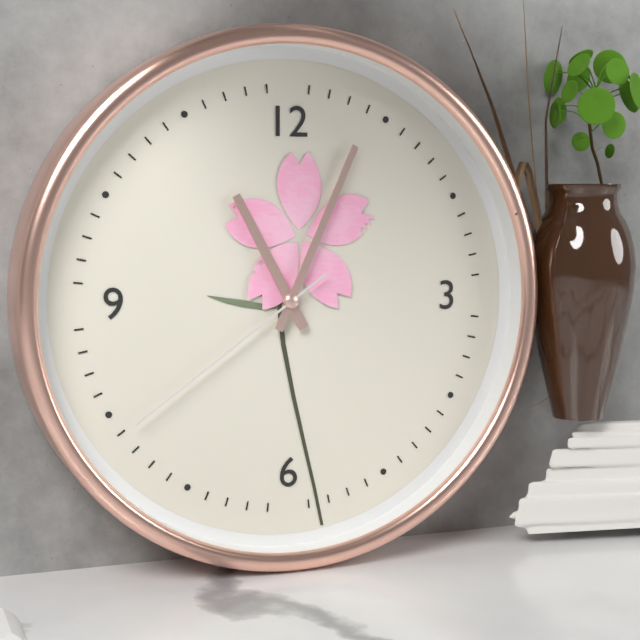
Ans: h=11 m=4 s=39
